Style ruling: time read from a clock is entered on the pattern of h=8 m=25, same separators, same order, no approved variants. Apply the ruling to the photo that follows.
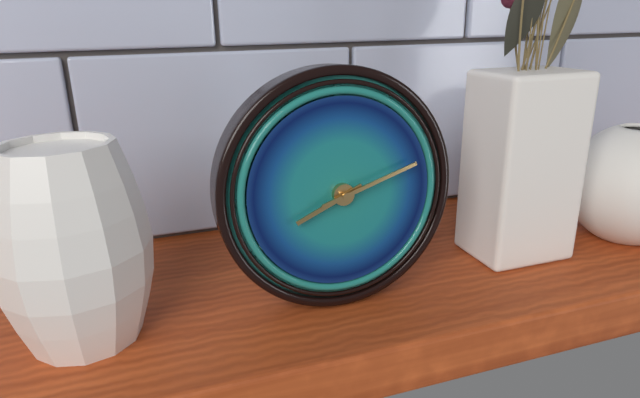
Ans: h=8 m=12
